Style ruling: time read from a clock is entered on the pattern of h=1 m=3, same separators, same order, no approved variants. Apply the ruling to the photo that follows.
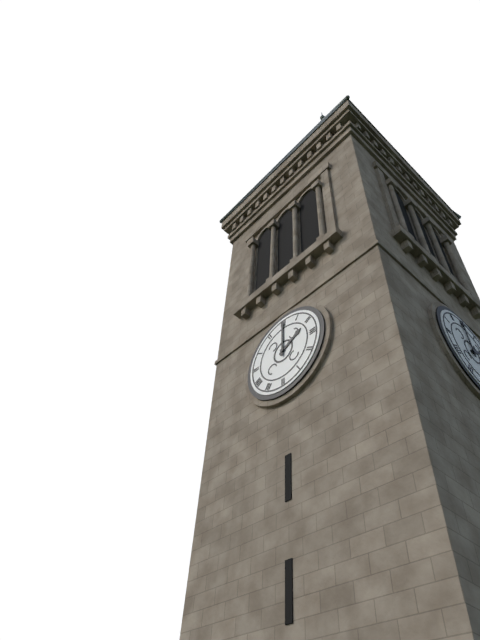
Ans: h=2 m=0
